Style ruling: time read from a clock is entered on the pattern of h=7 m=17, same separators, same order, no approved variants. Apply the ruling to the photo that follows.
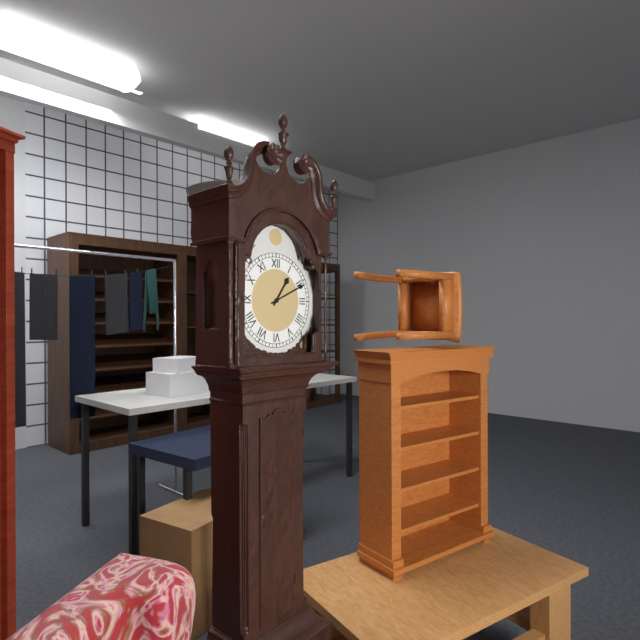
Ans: h=1 m=11
